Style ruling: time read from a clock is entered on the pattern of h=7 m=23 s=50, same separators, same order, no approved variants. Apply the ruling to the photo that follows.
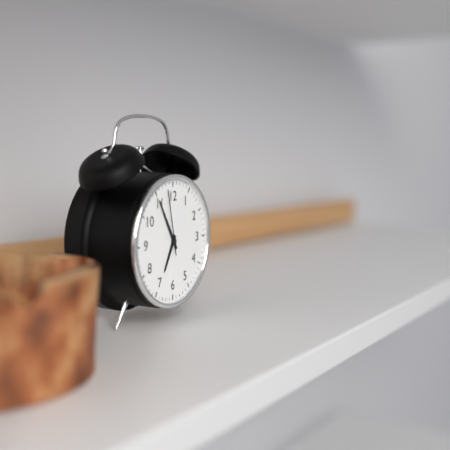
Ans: h=6 m=55 s=58
